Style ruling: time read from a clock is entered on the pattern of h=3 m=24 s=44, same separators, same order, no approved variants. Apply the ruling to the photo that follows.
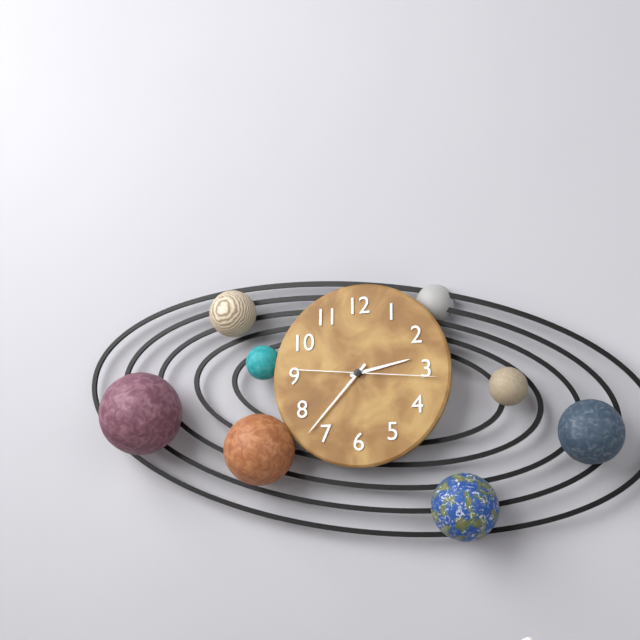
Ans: h=2 m=37 s=16
